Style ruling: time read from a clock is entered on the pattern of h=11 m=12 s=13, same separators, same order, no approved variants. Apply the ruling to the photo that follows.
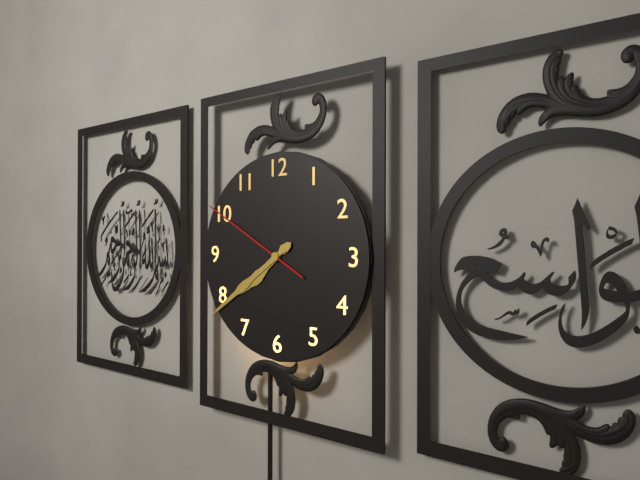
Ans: h=7 m=39 s=50
